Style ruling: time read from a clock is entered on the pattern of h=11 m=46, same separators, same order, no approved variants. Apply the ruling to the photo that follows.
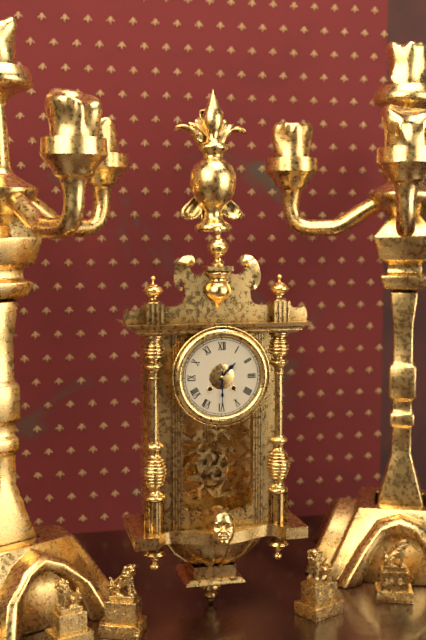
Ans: h=1 m=30
